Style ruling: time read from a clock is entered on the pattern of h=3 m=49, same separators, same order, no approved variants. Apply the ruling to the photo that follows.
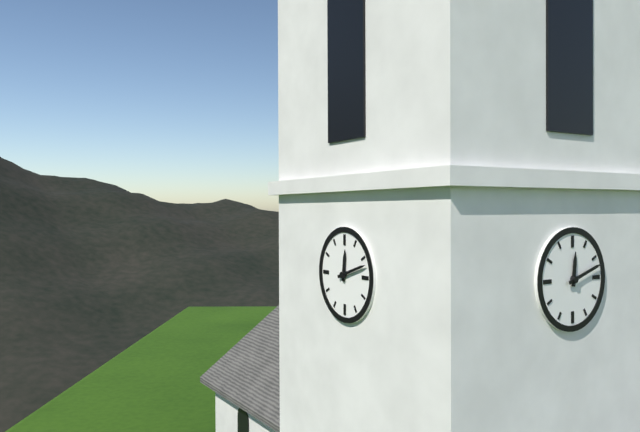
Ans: h=12 m=12
